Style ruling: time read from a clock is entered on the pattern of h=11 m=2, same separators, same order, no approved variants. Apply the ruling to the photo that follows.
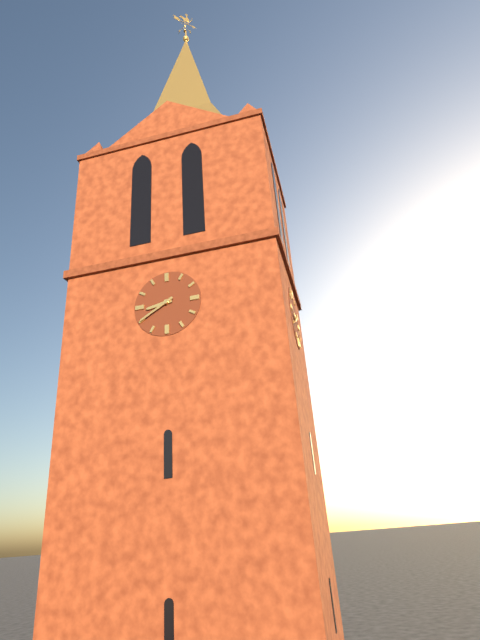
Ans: h=8 m=40
